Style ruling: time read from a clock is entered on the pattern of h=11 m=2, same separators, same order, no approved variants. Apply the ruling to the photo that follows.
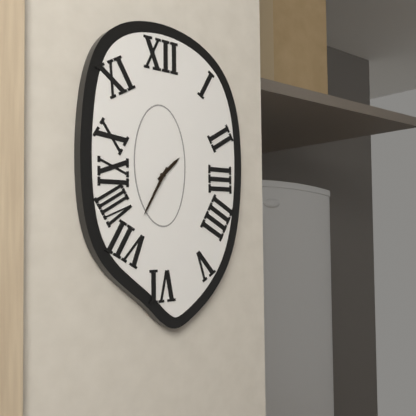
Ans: h=1 m=35
